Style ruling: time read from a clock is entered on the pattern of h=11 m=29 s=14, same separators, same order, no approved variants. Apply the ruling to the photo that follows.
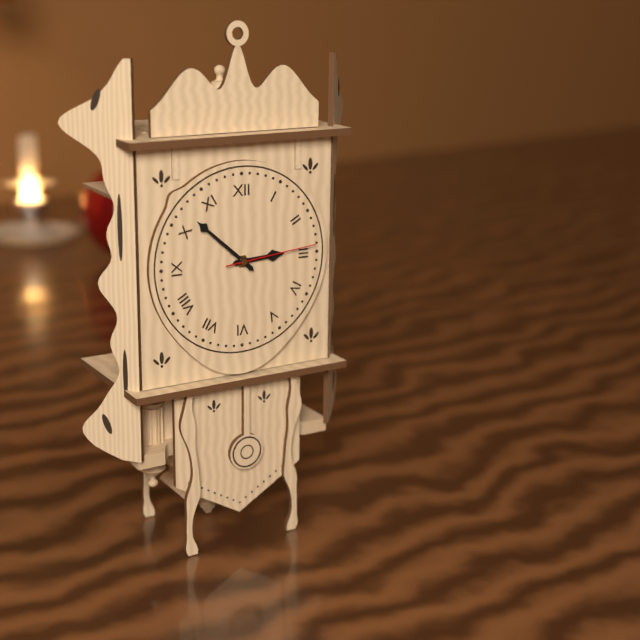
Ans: h=2 m=52 s=14
